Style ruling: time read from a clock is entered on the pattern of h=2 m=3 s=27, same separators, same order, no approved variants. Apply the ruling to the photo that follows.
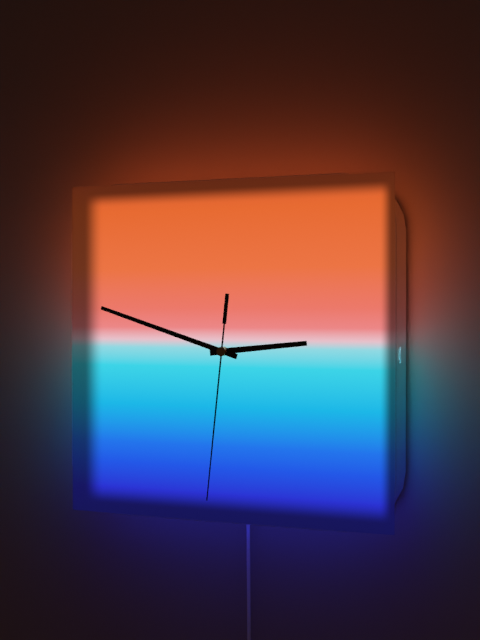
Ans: h=2 m=48 s=31
